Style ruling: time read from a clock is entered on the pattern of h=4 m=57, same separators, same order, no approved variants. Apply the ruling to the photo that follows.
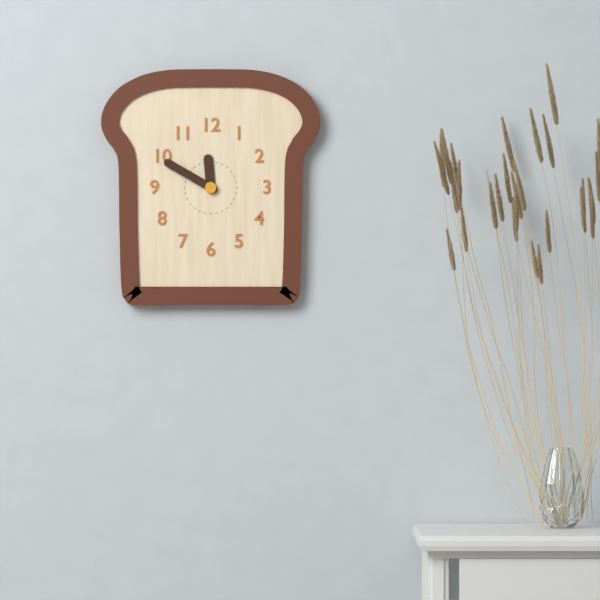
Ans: h=11 m=50
